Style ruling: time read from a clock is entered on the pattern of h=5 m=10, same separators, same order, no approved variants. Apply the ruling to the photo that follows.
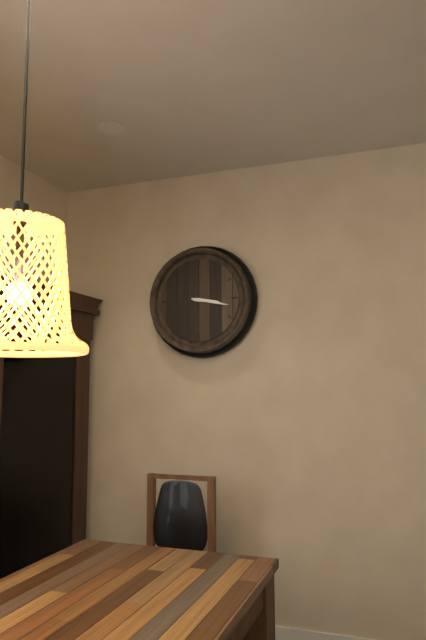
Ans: h=3 m=17
